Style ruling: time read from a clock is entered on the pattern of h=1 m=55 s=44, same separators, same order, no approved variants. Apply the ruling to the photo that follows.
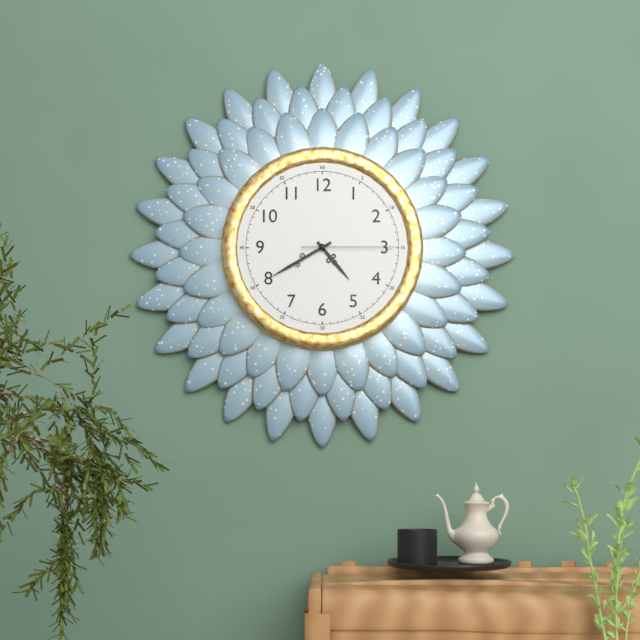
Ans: h=4 m=40 s=15
